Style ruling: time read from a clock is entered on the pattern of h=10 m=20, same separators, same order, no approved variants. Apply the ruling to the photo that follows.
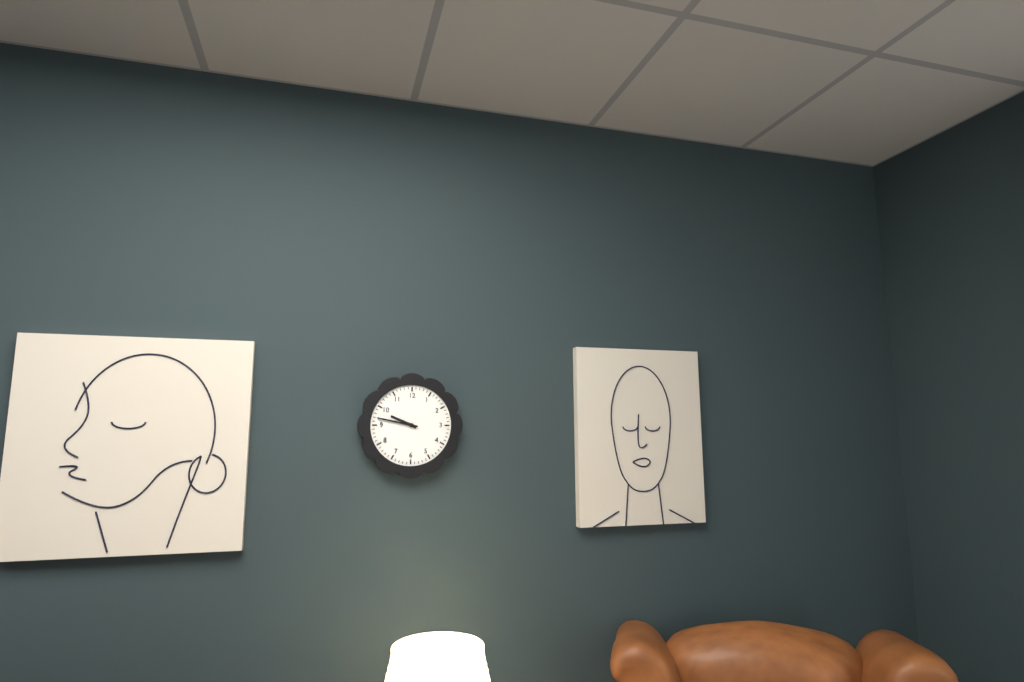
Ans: h=9 m=47
